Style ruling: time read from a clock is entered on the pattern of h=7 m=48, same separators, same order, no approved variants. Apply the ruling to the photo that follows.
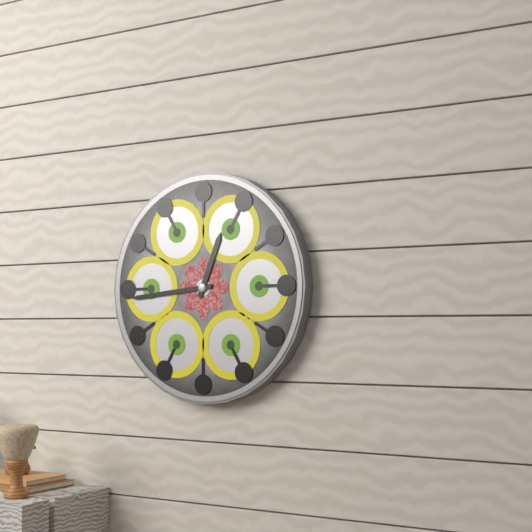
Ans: h=12 m=44
